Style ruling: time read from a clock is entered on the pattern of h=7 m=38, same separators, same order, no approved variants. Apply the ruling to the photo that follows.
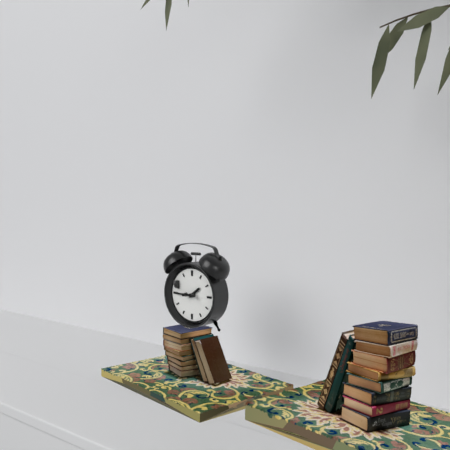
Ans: h=1 m=45
